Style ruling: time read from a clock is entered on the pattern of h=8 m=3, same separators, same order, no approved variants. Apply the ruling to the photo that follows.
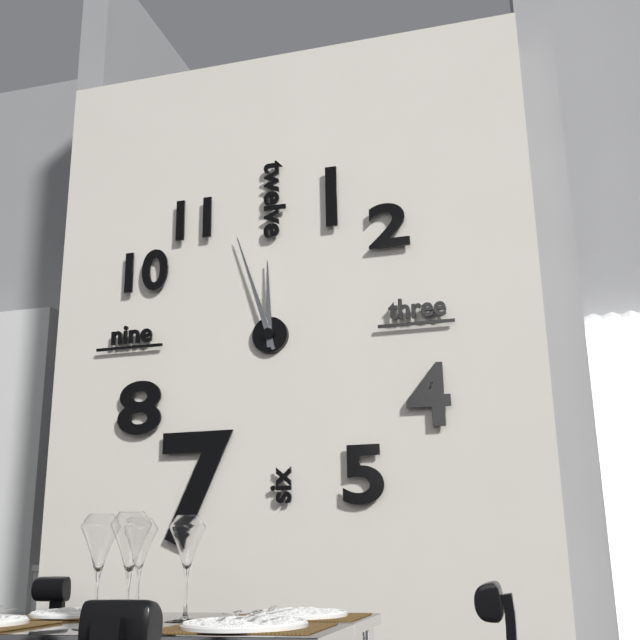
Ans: h=11 m=57
